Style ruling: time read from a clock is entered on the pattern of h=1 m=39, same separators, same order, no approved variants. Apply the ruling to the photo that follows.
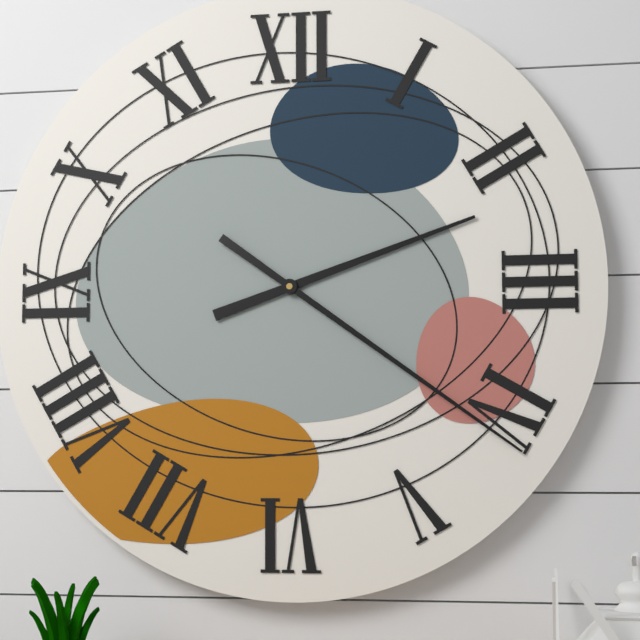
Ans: h=2 m=21
